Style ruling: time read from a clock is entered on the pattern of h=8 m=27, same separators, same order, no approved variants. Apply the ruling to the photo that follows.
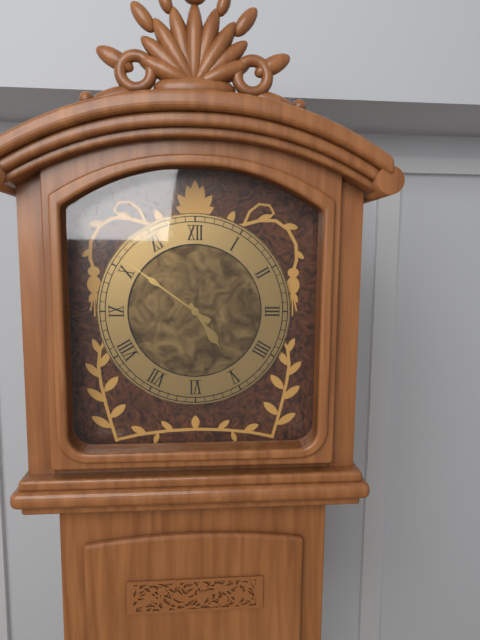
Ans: h=4 m=51
